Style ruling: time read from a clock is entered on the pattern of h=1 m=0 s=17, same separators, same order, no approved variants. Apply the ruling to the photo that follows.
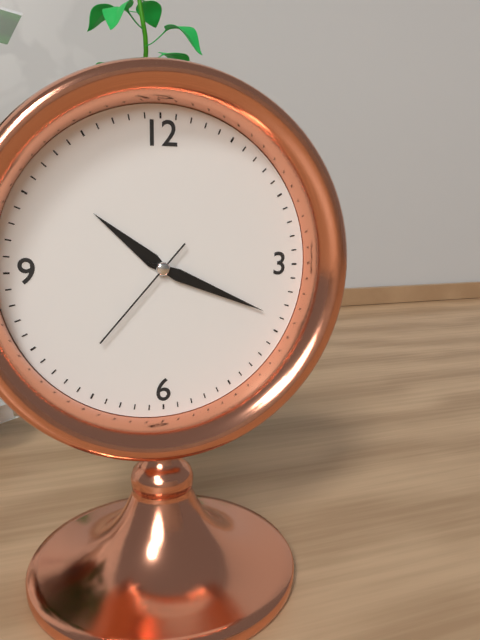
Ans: h=10 m=19 s=37
